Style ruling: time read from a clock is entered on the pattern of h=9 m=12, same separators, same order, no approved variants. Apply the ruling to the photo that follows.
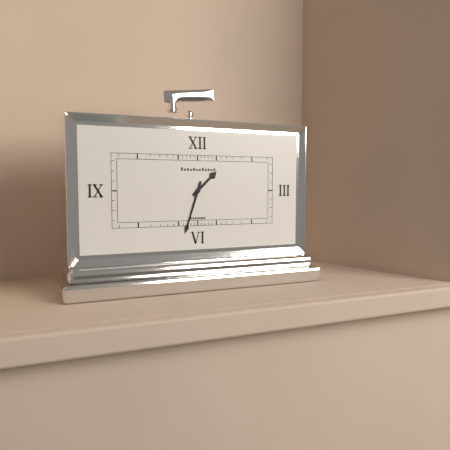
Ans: h=1 m=33
